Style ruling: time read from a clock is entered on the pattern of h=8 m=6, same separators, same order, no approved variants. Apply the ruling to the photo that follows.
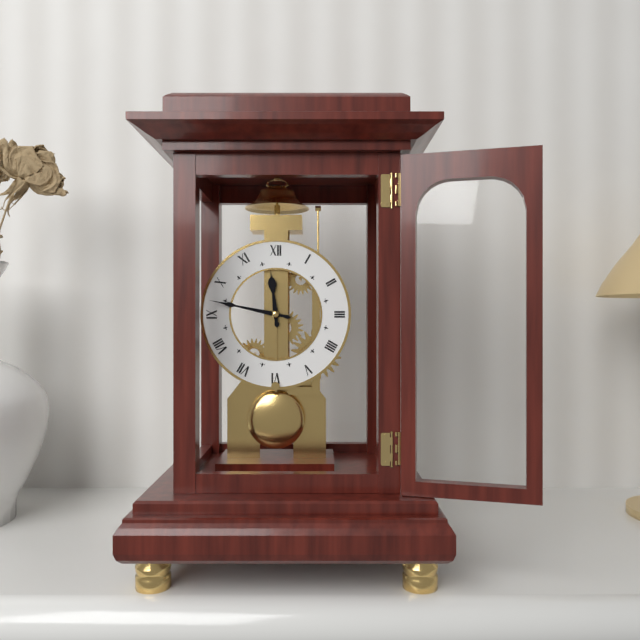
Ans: h=11 m=47
